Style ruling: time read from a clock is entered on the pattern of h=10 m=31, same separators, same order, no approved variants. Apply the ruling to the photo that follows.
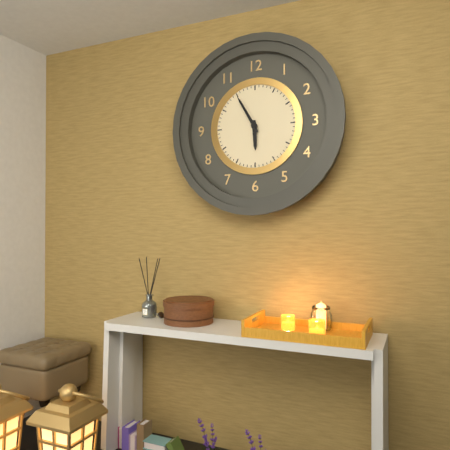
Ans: h=5 m=55
